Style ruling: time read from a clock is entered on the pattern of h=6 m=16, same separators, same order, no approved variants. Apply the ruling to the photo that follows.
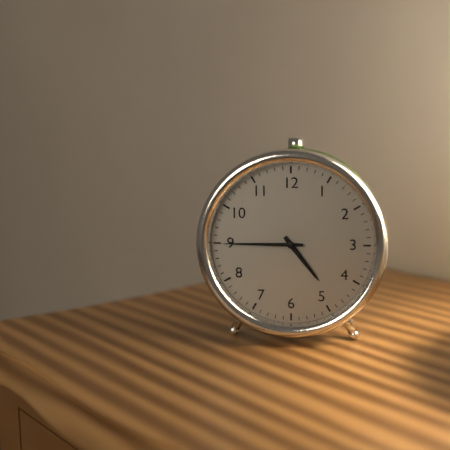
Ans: h=4 m=45
